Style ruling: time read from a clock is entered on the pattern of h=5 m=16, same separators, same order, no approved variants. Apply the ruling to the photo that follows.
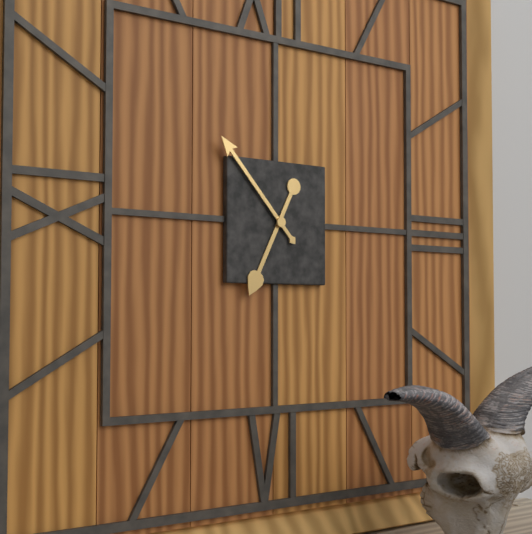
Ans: h=6 m=53
